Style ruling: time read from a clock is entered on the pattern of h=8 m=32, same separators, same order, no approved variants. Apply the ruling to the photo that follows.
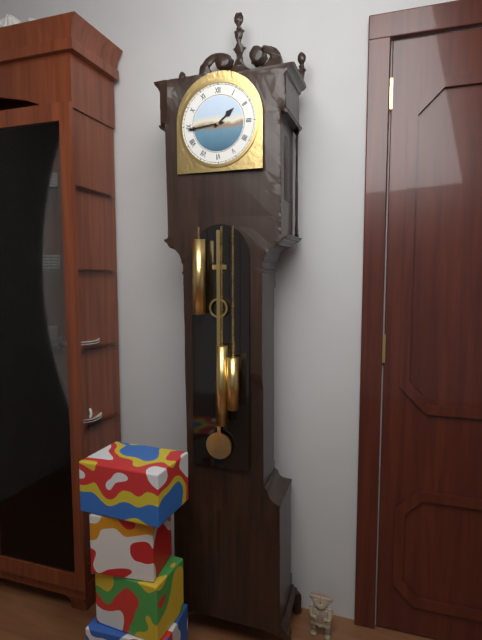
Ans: h=1 m=44
